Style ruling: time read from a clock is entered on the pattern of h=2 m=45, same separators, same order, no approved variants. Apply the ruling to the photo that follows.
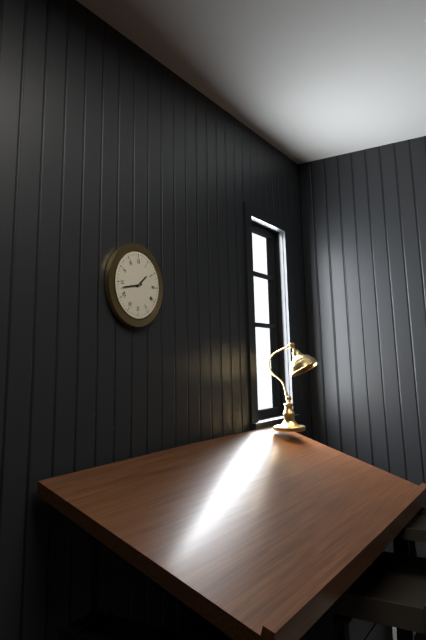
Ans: h=1 m=43
